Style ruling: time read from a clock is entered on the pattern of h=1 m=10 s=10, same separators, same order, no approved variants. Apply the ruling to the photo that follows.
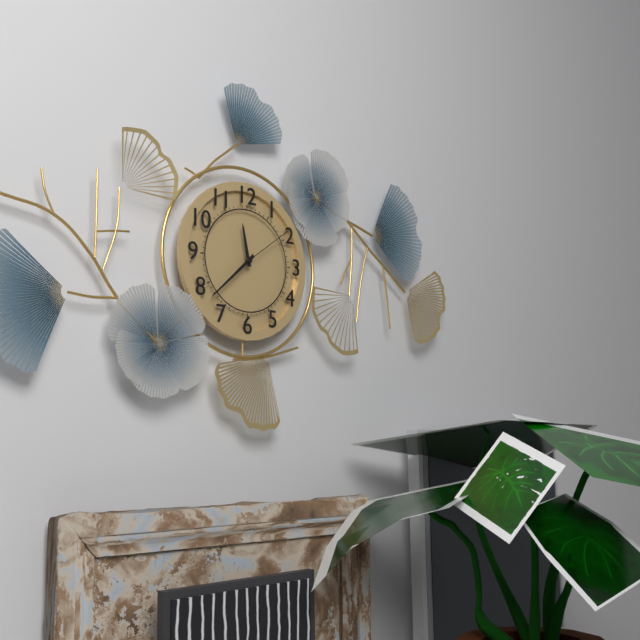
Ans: h=11 m=38 s=9
